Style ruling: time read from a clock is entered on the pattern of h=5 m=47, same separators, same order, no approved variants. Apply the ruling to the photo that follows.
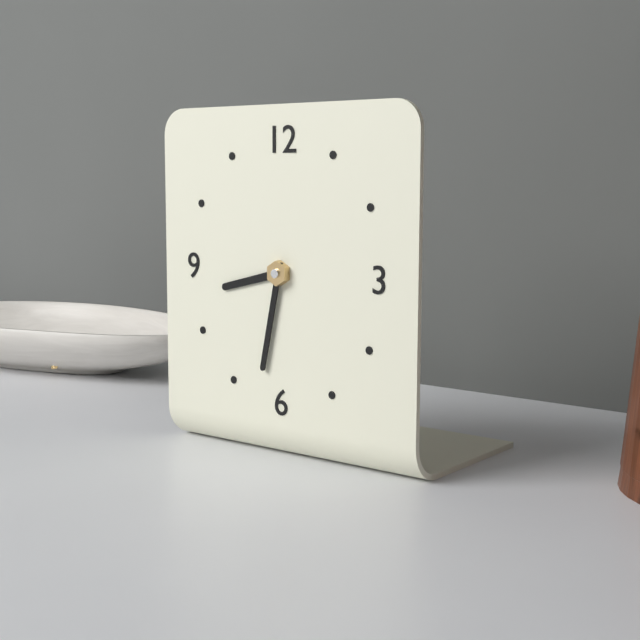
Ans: h=8 m=32
